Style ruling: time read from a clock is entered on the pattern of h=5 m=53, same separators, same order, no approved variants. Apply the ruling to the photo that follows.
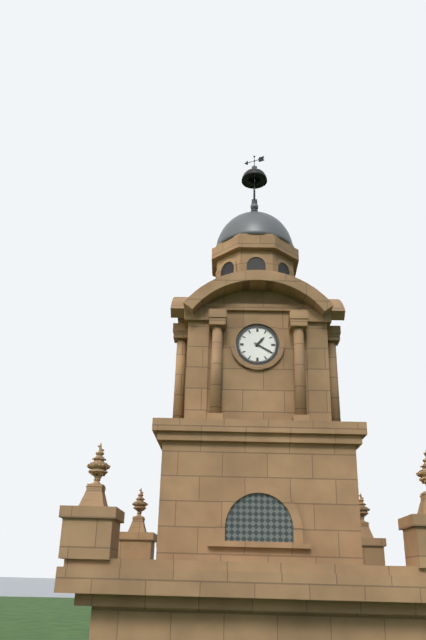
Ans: h=1 m=20
